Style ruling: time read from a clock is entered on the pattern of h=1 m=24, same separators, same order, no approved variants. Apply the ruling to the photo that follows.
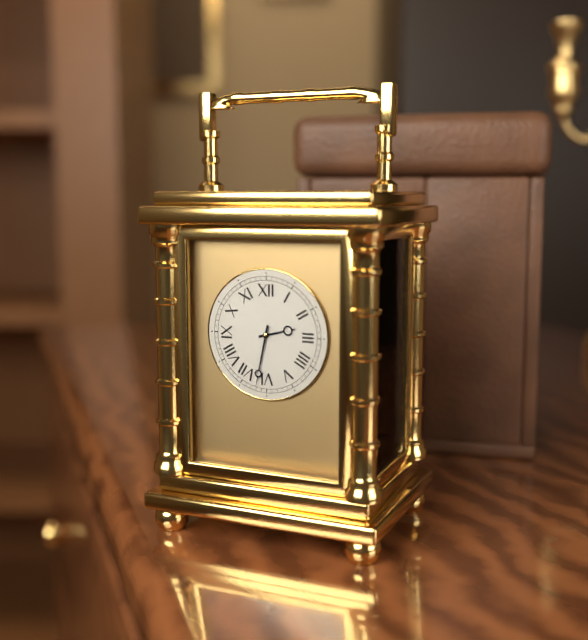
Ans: h=2 m=32
